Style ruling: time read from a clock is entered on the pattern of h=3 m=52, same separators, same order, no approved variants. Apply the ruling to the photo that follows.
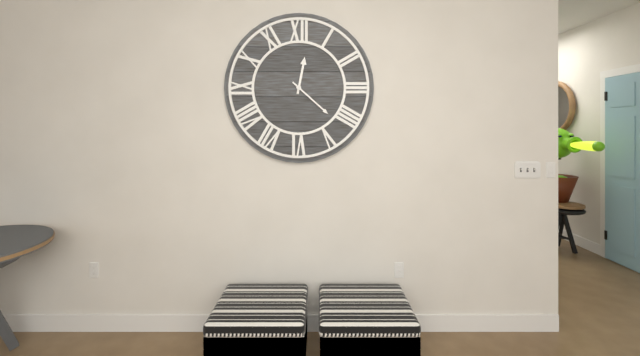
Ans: h=12 m=22
